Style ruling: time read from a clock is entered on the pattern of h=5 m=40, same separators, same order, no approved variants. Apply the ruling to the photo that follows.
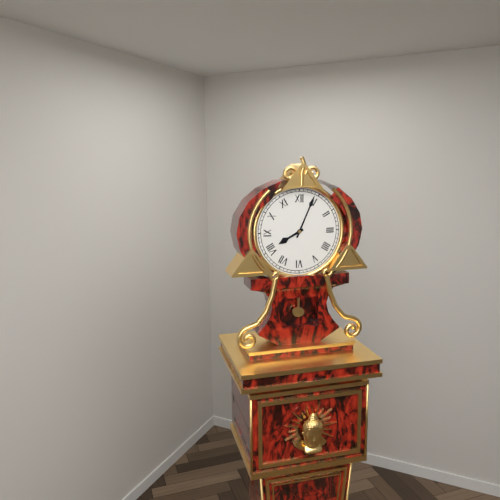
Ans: h=8 m=4
